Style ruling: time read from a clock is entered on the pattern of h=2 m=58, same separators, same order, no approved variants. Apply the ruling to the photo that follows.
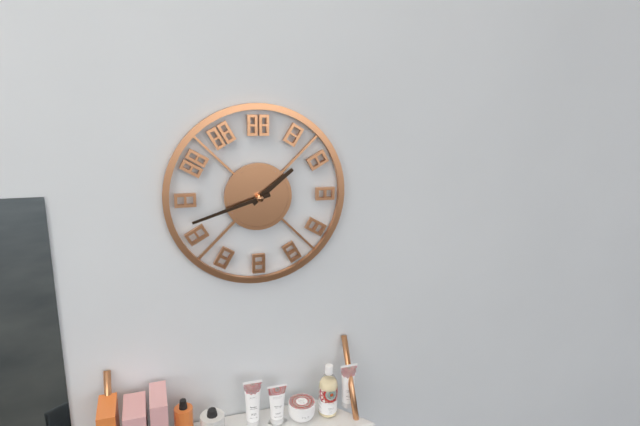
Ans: h=1 m=42
